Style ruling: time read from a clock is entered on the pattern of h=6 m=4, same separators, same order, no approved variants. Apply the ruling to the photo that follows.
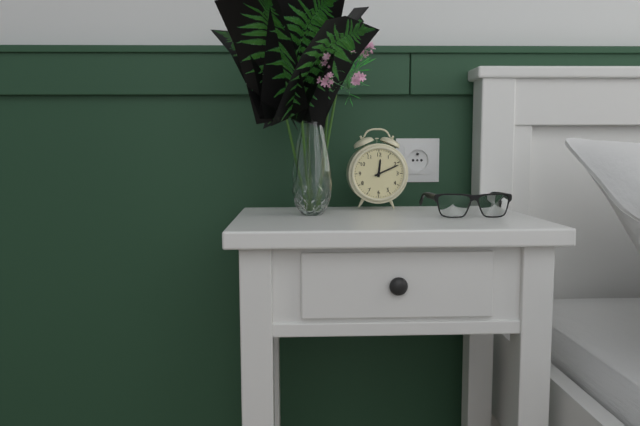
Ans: h=12 m=11
